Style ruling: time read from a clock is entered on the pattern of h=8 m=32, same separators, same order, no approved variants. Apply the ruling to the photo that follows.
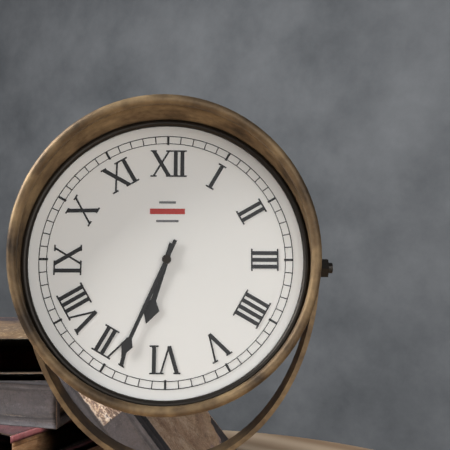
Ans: h=6 m=34
